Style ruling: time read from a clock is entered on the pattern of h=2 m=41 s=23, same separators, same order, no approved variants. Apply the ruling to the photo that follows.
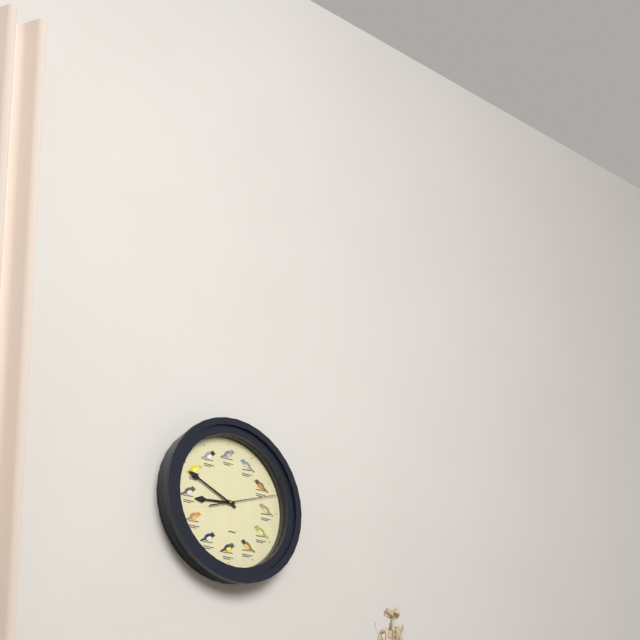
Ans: h=8 m=49 s=12
